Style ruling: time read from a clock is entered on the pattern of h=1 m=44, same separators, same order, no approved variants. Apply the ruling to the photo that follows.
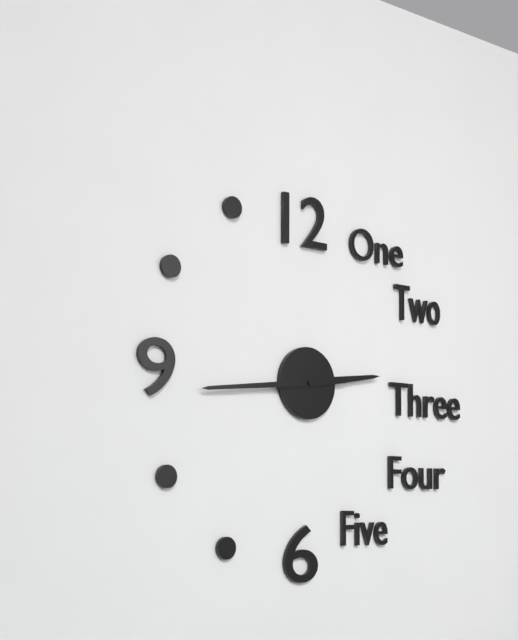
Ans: h=2 m=44
